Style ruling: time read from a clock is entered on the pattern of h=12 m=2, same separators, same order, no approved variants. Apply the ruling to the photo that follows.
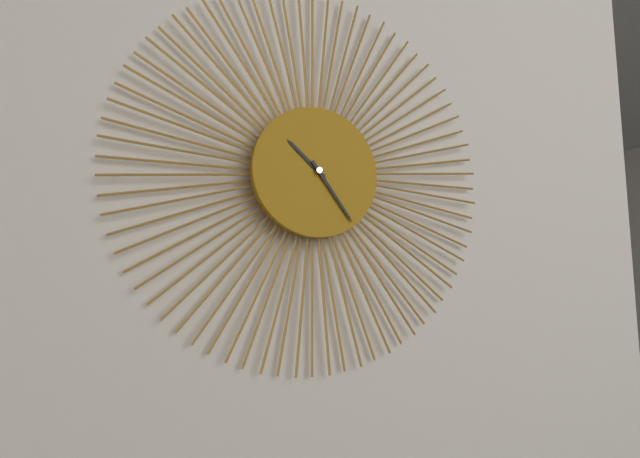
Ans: h=10 m=24
